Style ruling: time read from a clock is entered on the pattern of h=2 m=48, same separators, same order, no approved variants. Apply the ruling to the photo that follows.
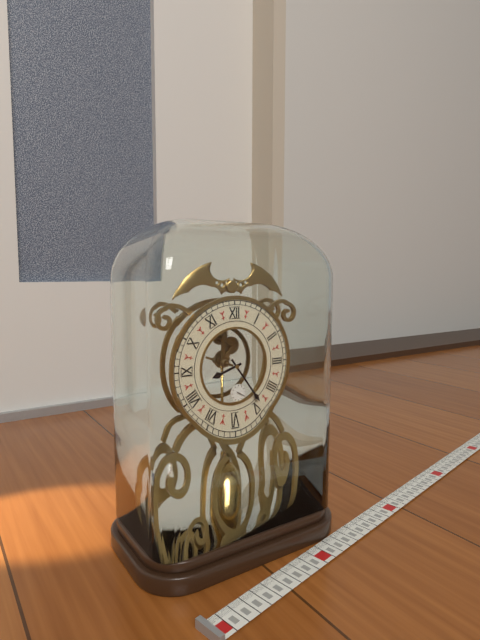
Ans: h=8 m=24
